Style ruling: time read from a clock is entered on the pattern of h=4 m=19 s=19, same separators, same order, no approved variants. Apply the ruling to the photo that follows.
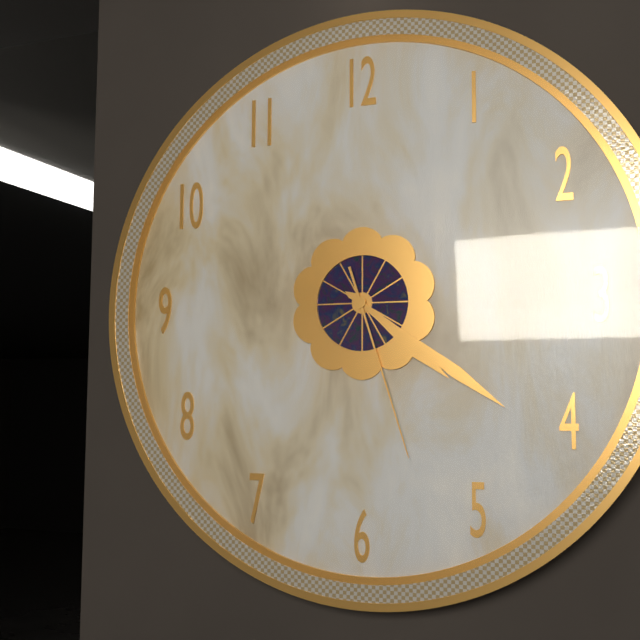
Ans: h=4 m=21 s=27
